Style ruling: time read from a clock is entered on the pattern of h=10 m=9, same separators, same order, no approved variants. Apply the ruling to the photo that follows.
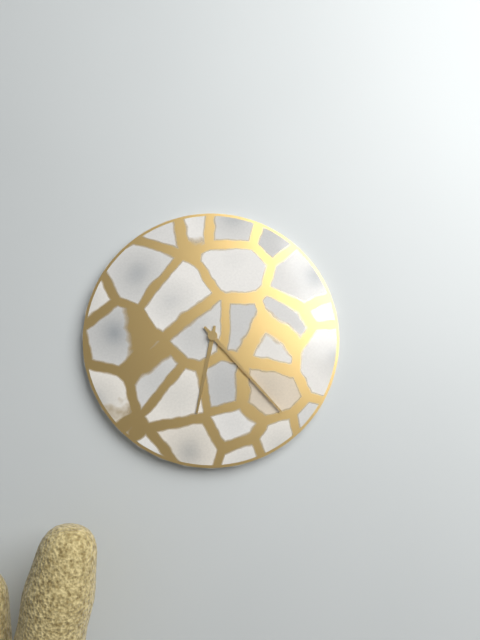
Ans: h=6 m=23
